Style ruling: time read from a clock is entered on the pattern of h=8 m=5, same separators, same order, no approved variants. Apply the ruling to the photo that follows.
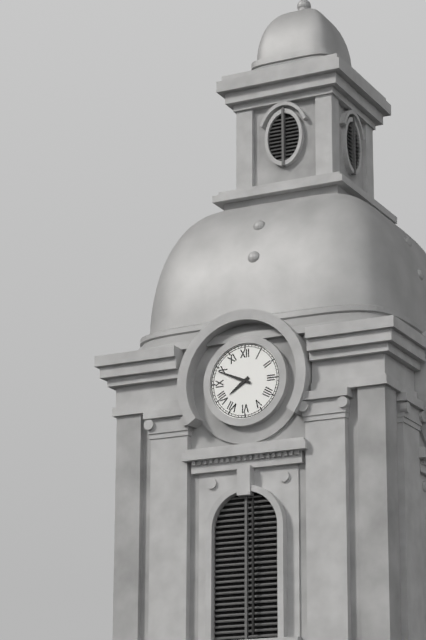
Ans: h=7 m=49
